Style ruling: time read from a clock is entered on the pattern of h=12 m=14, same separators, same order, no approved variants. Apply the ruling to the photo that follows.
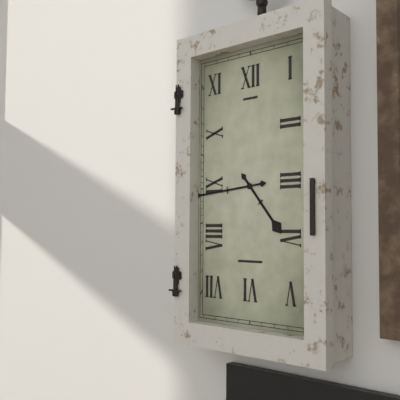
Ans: h=4 m=44
